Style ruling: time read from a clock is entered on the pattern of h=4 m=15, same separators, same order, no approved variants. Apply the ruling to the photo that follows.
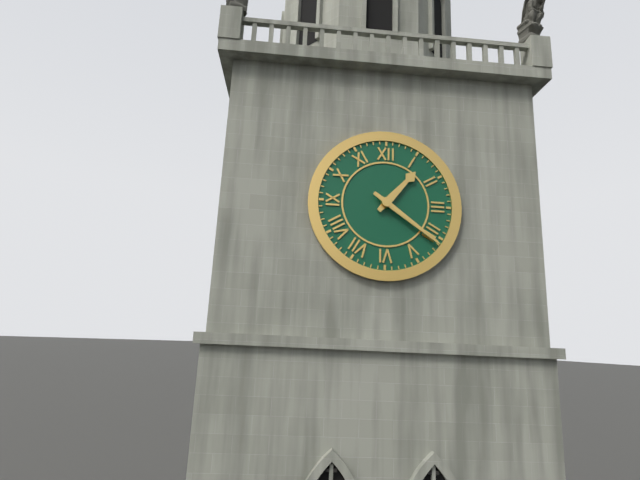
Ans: h=1 m=21
